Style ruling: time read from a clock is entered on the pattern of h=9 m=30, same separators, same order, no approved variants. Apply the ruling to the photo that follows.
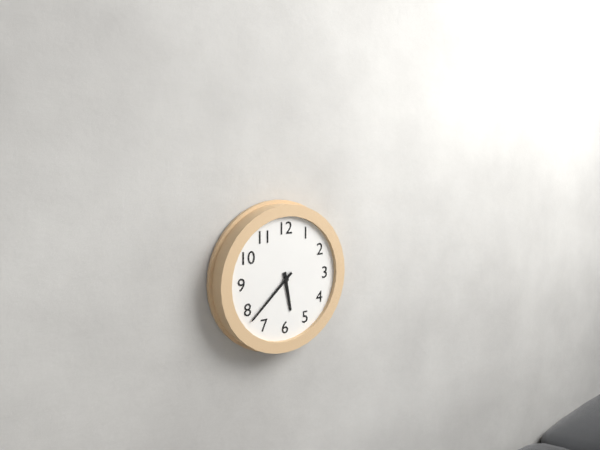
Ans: h=5 m=38
